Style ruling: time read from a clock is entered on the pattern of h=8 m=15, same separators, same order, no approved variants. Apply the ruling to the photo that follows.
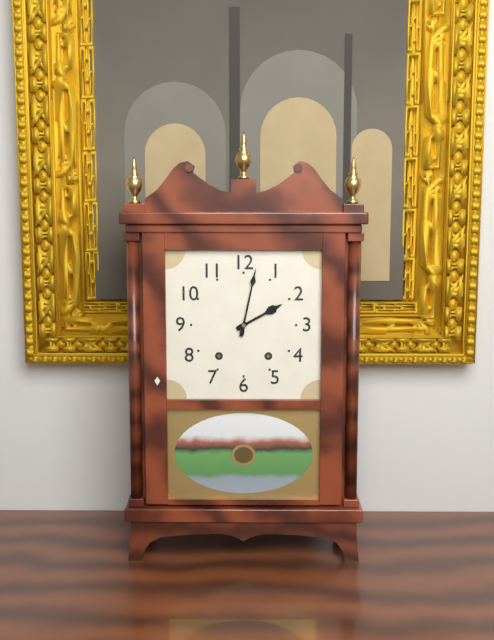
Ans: h=2 m=2
